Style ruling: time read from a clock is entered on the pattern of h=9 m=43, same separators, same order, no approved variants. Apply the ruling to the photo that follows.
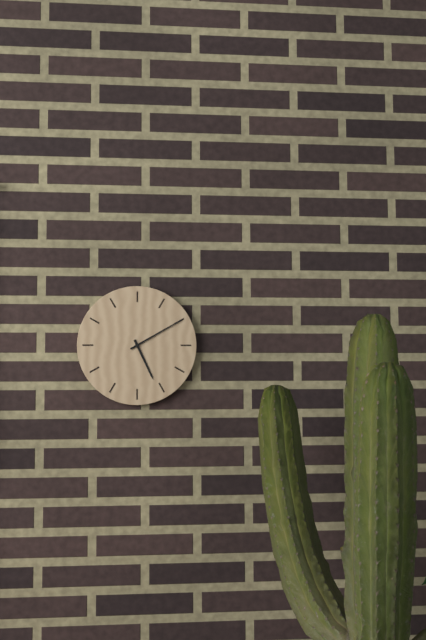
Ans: h=5 m=10
